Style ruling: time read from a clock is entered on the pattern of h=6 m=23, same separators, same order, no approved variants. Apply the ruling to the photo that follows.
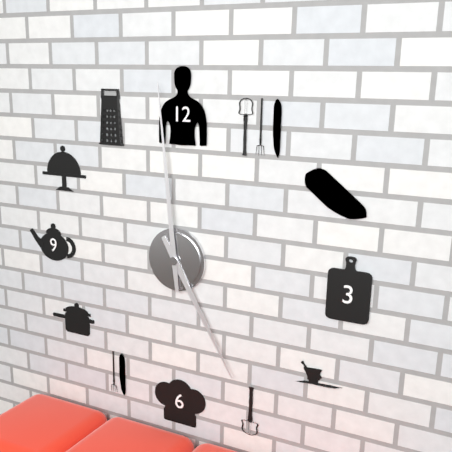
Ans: h=4 m=59
